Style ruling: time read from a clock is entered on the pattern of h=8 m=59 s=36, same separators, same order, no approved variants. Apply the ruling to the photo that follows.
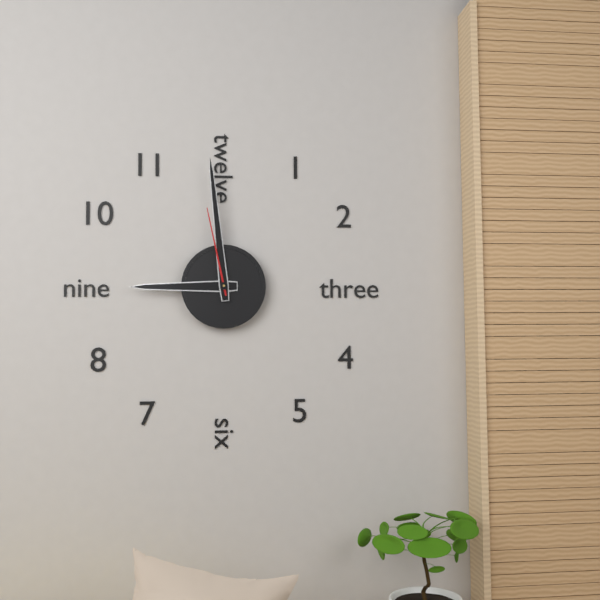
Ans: h=8 m=59 s=58
